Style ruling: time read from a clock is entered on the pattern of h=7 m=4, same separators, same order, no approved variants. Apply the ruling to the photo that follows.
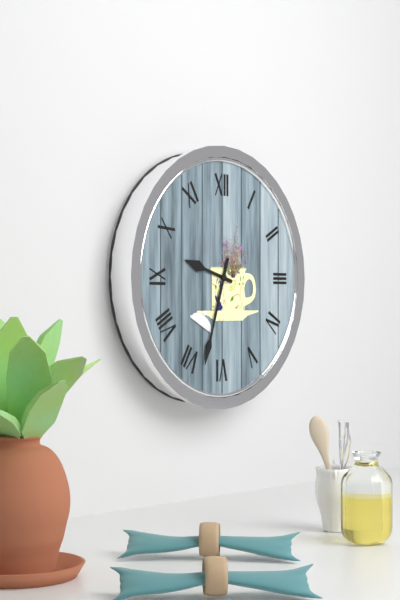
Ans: h=9 m=33
